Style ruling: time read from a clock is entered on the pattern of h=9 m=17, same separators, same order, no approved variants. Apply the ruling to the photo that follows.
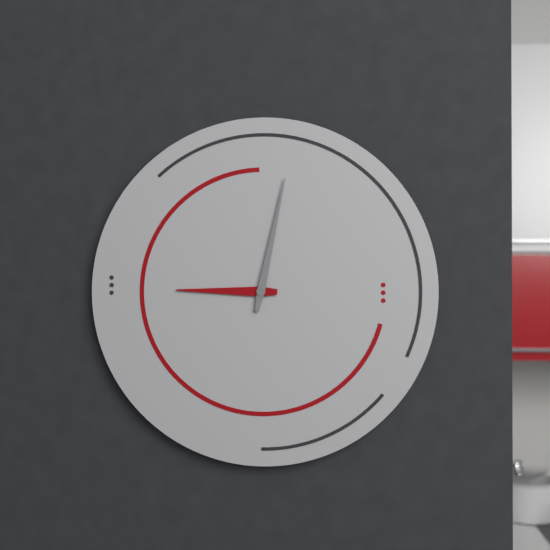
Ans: h=9 m=2
